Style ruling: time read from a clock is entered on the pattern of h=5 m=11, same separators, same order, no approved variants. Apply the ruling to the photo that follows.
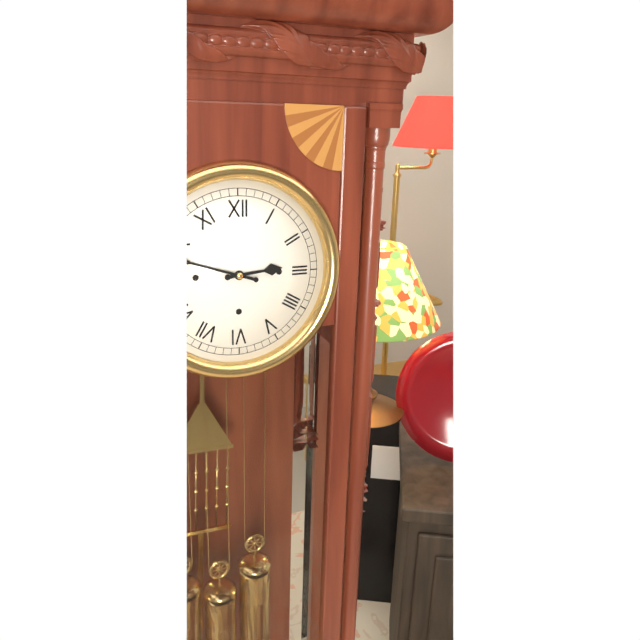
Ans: h=2 m=48
